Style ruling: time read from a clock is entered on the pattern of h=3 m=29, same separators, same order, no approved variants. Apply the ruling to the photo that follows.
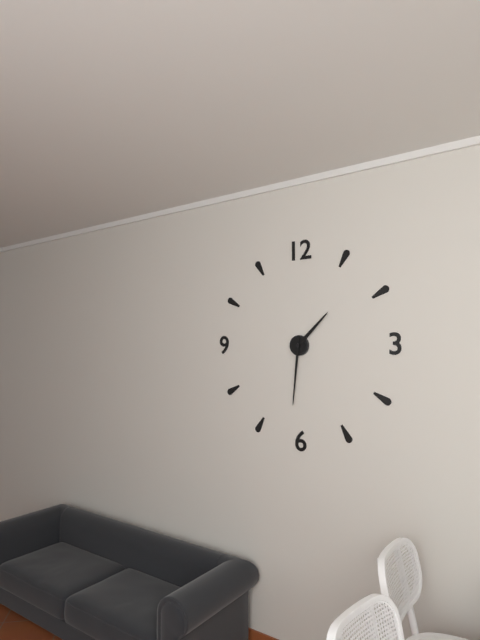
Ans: h=1 m=31
